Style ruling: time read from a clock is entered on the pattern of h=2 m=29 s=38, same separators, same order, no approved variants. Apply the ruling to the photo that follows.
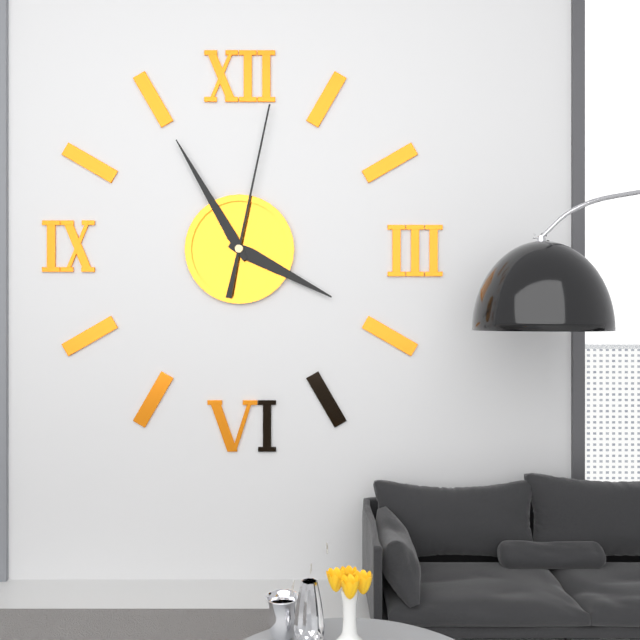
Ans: h=3 m=55 s=2
